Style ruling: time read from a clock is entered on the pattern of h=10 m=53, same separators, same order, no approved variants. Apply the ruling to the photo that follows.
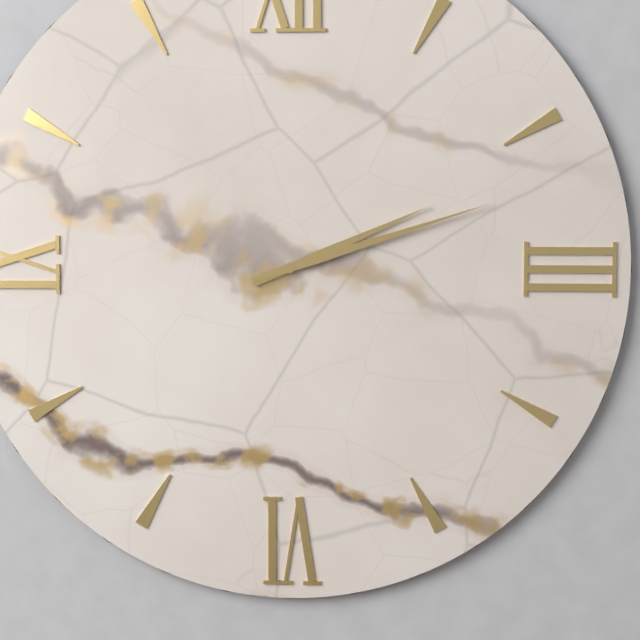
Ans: h=2 m=12
